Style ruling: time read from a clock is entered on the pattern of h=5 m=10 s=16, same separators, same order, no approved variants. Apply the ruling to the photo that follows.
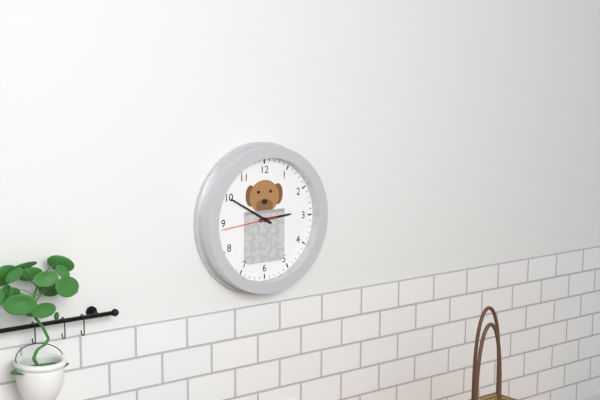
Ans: h=2 m=50 s=44
